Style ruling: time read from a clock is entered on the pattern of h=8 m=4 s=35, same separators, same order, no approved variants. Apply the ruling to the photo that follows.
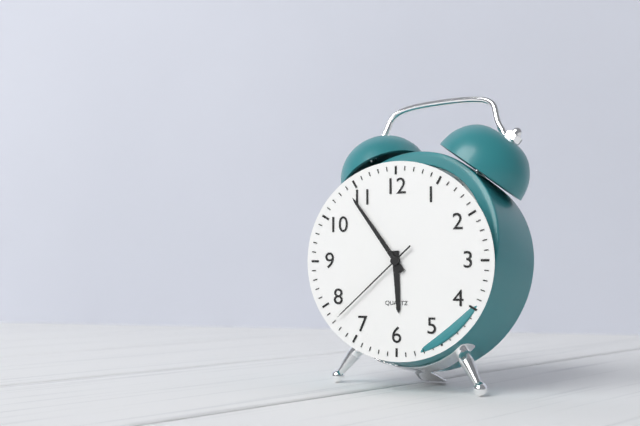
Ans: h=5 m=54 s=38
